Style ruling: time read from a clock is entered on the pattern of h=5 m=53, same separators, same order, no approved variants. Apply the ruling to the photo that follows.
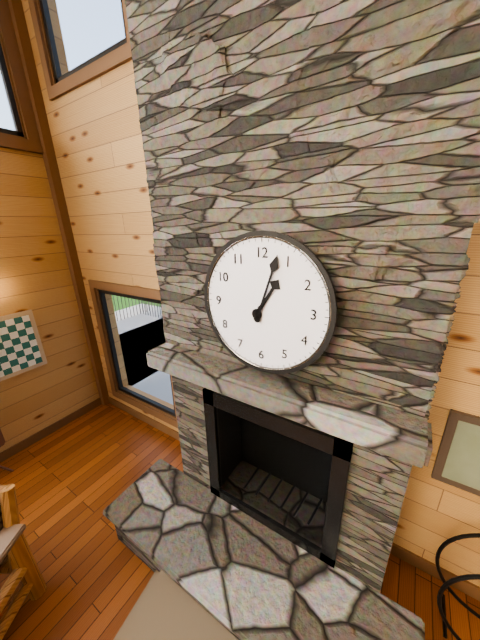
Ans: h=1 m=3
